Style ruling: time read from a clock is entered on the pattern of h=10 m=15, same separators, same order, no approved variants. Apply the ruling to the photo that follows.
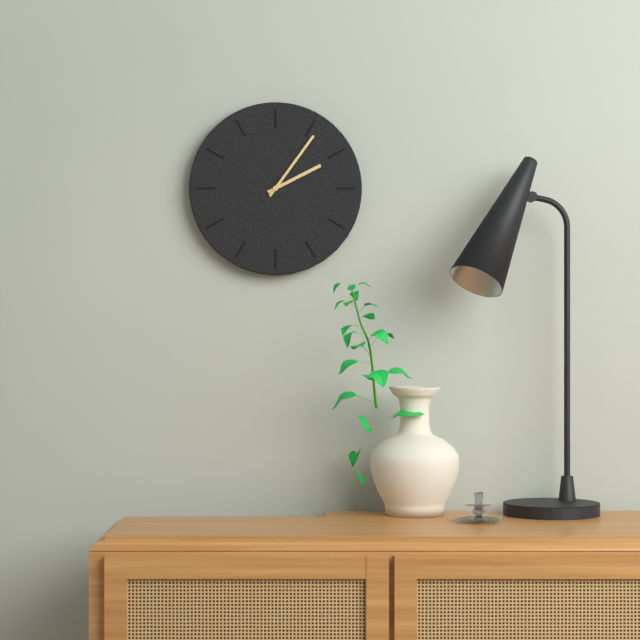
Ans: h=2 m=6
